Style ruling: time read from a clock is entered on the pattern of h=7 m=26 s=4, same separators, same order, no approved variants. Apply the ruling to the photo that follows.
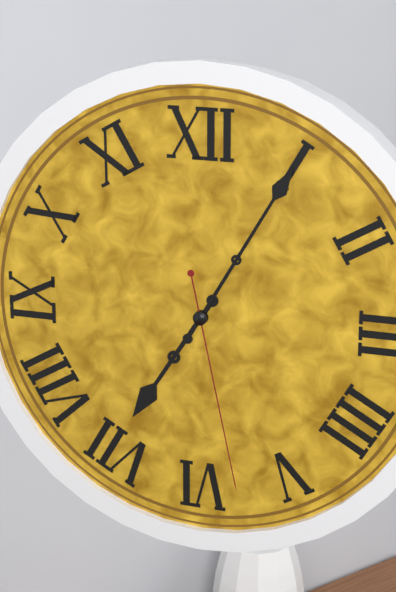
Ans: h=7 m=5 s=28
